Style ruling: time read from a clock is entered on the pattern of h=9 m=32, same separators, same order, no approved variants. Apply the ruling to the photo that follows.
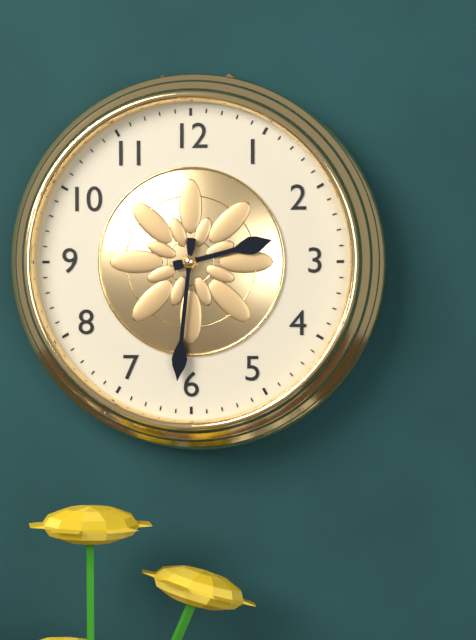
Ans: h=2 m=31
